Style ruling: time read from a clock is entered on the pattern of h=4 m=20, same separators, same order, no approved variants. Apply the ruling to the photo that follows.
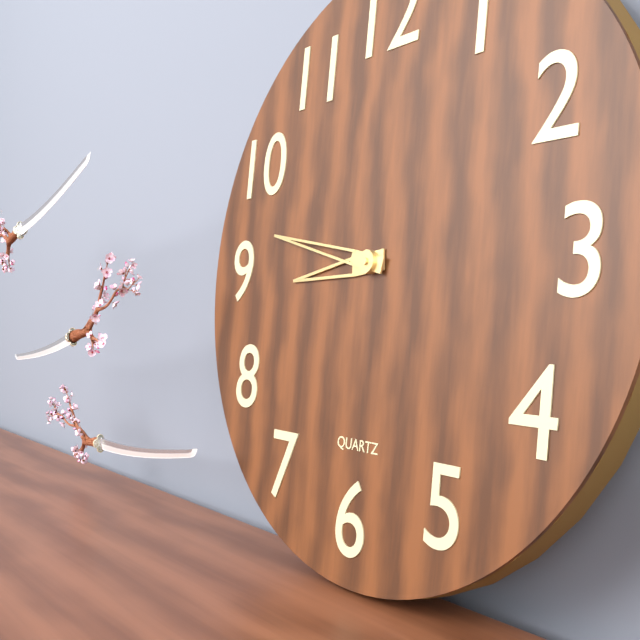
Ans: h=8 m=47
